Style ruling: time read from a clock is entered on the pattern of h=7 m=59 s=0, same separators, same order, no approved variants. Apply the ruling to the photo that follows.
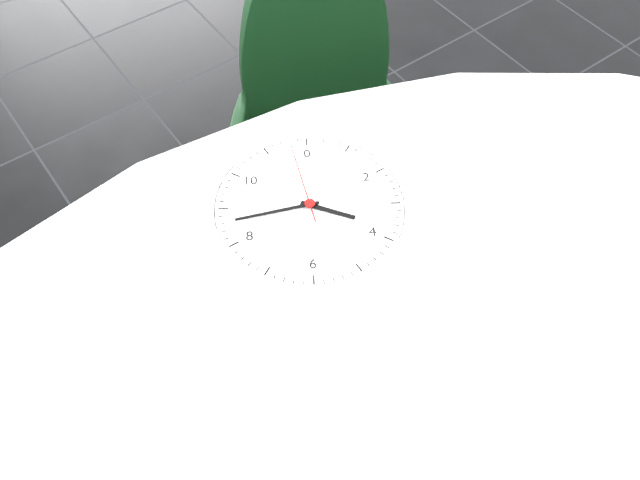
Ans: h=3 m=43 s=58
